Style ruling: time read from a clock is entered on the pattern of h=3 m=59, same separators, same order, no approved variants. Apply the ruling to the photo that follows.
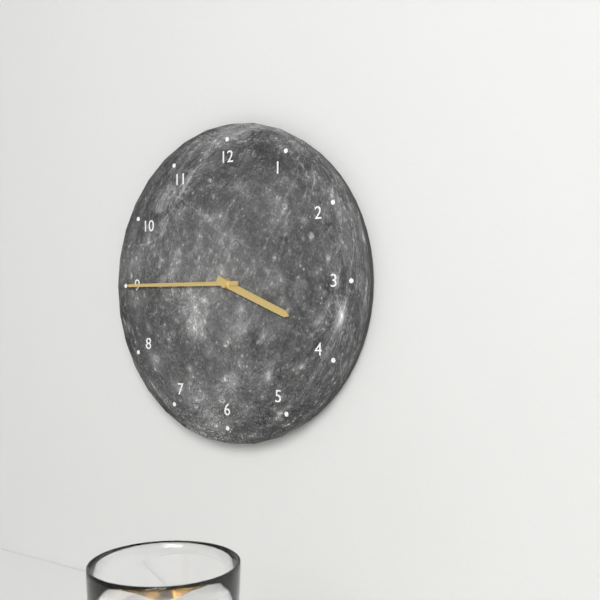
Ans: h=3 m=45
